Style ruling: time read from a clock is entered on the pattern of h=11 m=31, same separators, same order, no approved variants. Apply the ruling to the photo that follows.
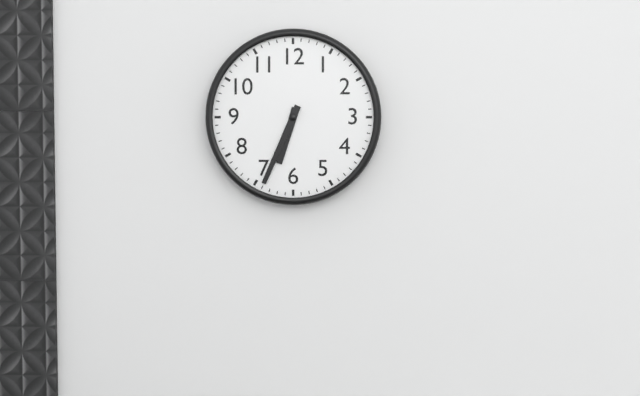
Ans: h=6 m=34
